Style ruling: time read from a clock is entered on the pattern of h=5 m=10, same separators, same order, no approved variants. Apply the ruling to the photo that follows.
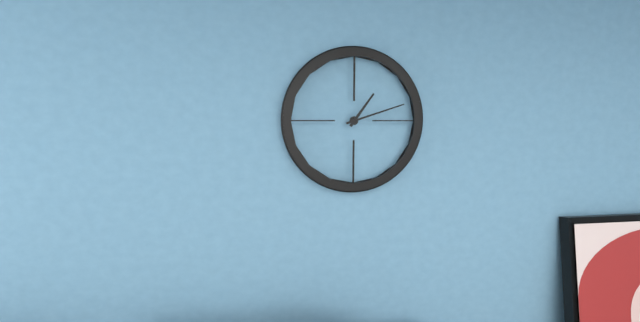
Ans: h=1 m=12
